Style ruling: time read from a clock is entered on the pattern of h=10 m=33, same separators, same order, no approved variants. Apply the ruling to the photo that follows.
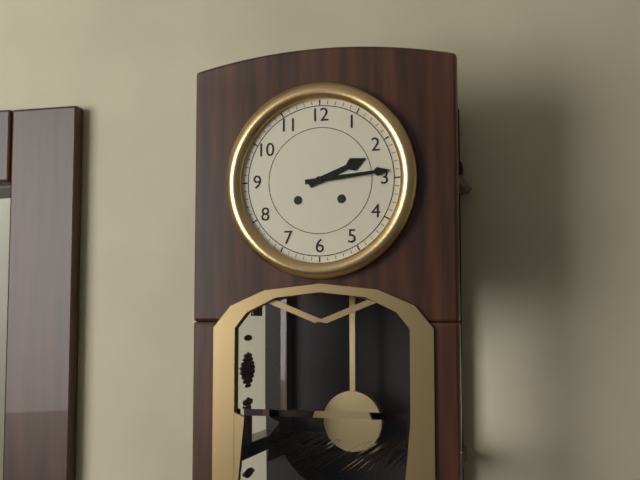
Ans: h=2 m=14
